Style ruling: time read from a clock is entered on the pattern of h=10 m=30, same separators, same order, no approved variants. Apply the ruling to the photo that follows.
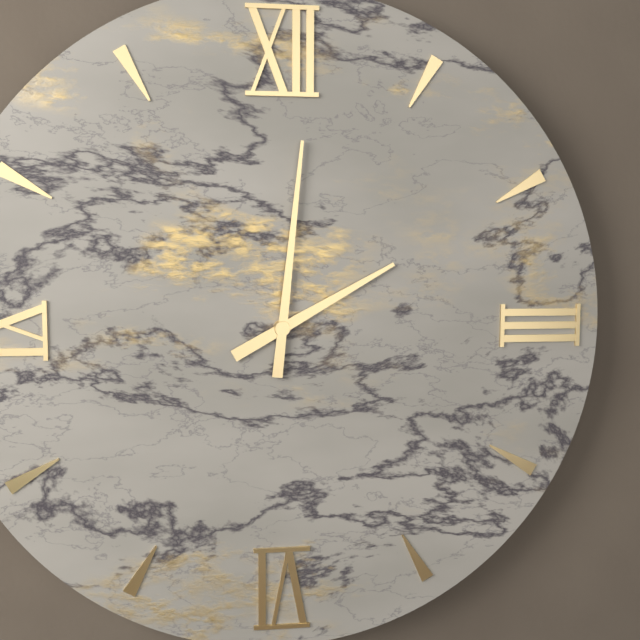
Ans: h=2 m=1
